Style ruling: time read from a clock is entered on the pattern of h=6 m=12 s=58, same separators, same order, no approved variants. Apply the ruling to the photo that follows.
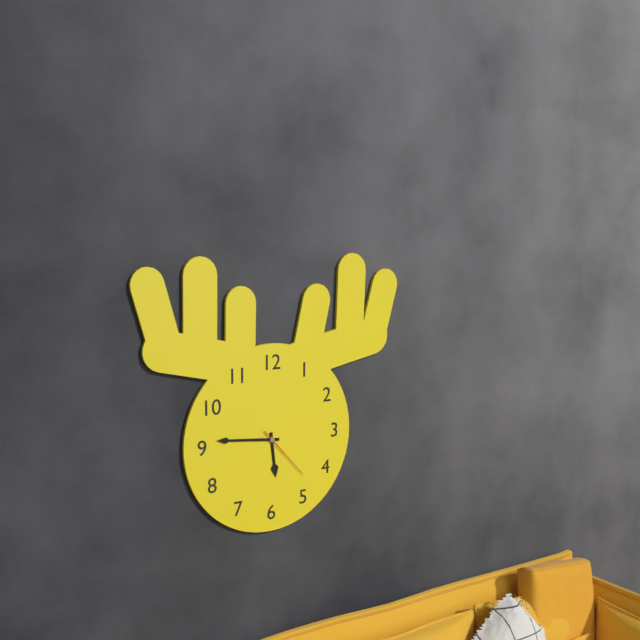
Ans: h=5 m=46 s=23
